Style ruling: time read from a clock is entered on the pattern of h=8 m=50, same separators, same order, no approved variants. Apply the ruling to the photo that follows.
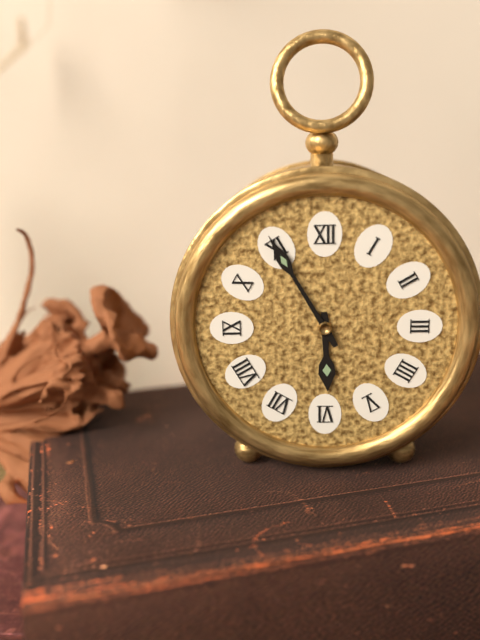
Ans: h=5 m=55
